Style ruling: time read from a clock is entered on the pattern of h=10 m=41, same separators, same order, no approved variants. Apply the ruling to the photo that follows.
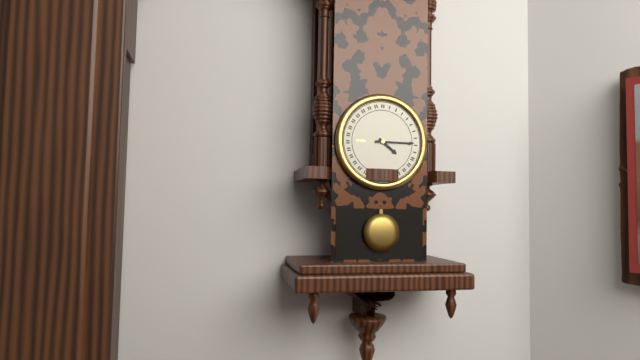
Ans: h=4 m=15
